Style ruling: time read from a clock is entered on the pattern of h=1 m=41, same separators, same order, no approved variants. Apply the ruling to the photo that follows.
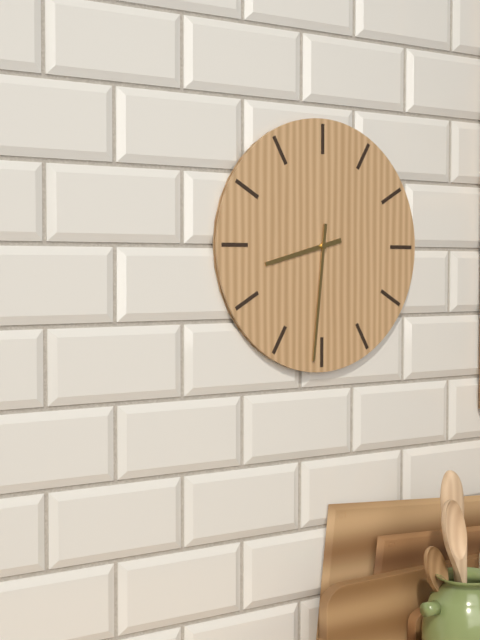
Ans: h=8 m=31
